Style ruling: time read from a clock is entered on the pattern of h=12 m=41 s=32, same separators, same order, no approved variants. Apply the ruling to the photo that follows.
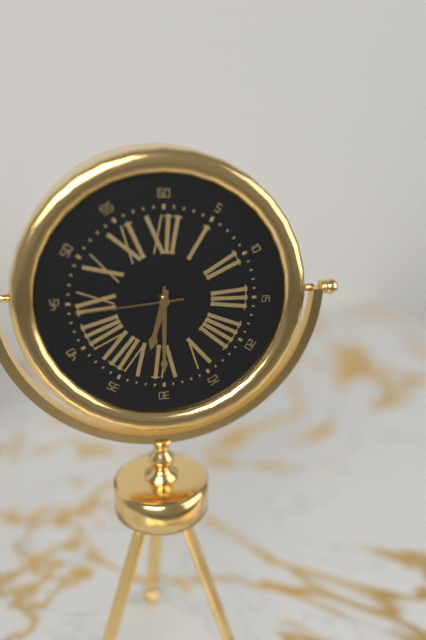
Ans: h=6 m=30 s=44
